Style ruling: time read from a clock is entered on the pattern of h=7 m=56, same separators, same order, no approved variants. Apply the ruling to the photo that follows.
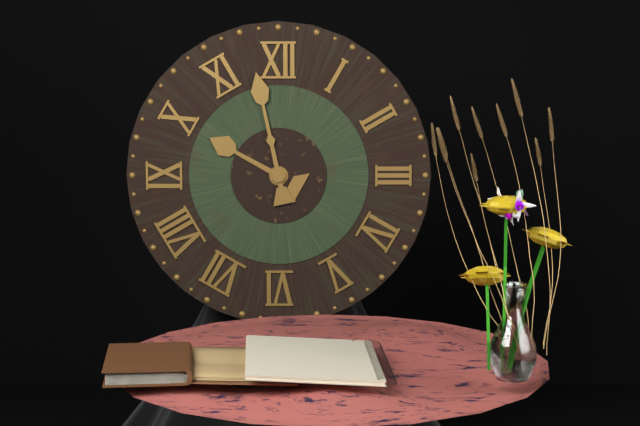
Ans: h=9 m=58
